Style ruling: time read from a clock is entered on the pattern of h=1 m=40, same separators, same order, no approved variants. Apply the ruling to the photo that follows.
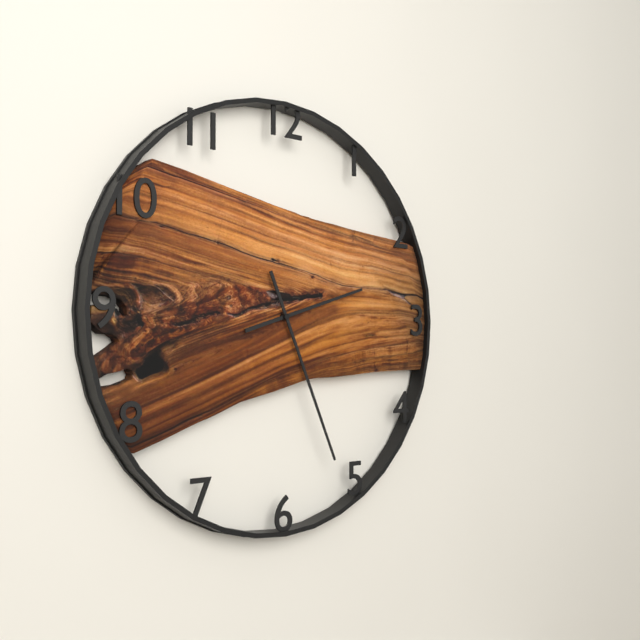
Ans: h=2 m=26
